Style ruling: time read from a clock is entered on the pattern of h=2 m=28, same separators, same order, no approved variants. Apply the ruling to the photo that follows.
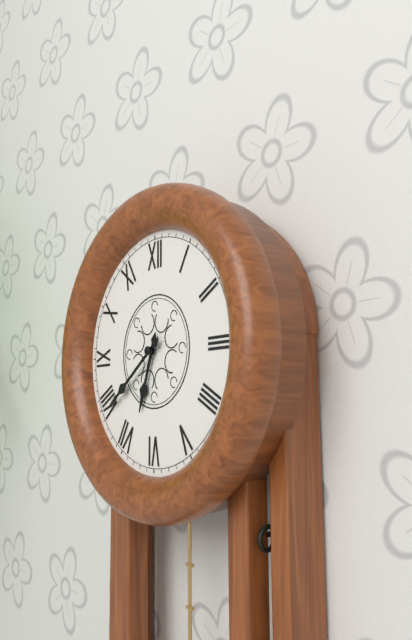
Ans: h=6 m=39
